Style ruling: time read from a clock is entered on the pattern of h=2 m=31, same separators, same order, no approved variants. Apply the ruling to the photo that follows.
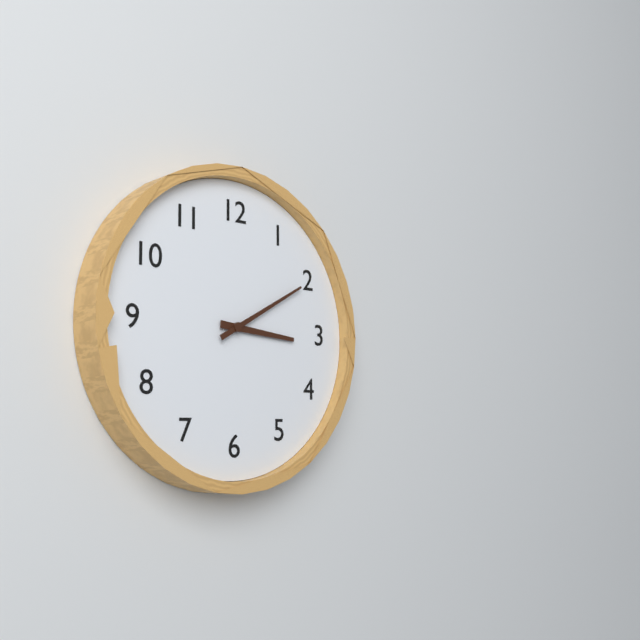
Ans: h=3 m=10
